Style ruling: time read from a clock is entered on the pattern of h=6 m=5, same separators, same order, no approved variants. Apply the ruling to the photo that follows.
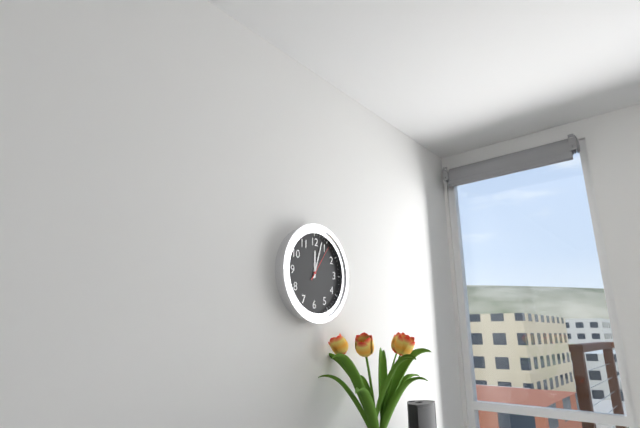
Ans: h=12 m=3
